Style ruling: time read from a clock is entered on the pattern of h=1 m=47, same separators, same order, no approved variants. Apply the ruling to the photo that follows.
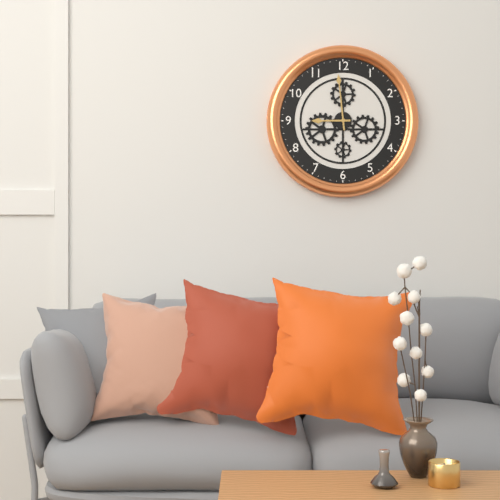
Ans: h=8 m=59
